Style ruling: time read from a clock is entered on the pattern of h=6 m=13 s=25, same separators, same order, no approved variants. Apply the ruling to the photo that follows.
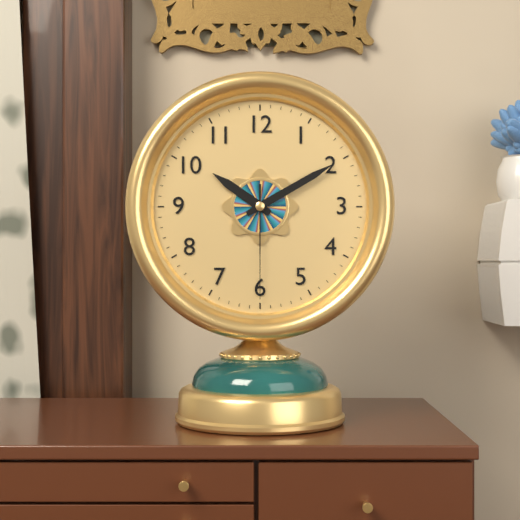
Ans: h=10 m=10 s=30
